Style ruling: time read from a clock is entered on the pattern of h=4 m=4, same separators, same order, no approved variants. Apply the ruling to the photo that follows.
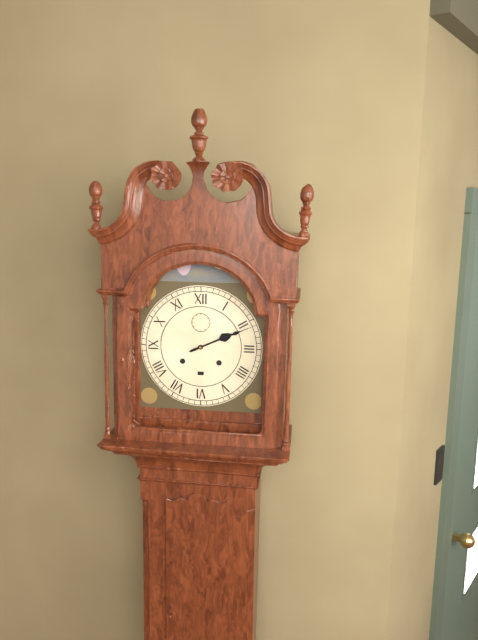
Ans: h=2 m=11
